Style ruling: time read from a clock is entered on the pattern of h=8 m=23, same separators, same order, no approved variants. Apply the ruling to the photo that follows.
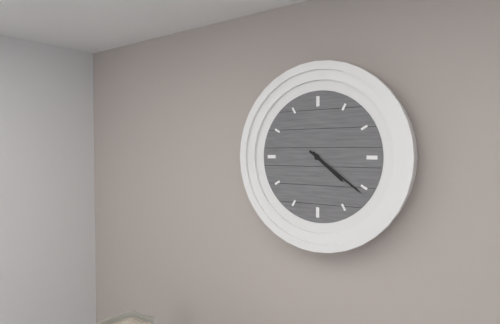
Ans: h=4 m=21
